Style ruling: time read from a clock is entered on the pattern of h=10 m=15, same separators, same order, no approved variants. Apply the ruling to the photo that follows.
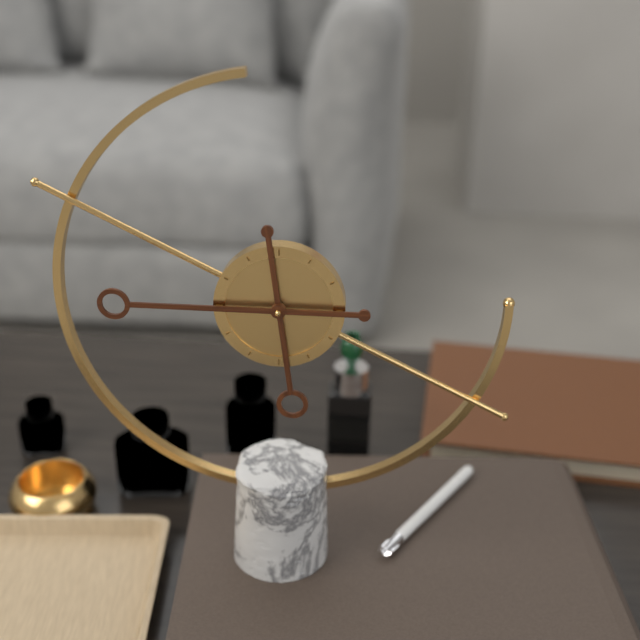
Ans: h=5 m=45
